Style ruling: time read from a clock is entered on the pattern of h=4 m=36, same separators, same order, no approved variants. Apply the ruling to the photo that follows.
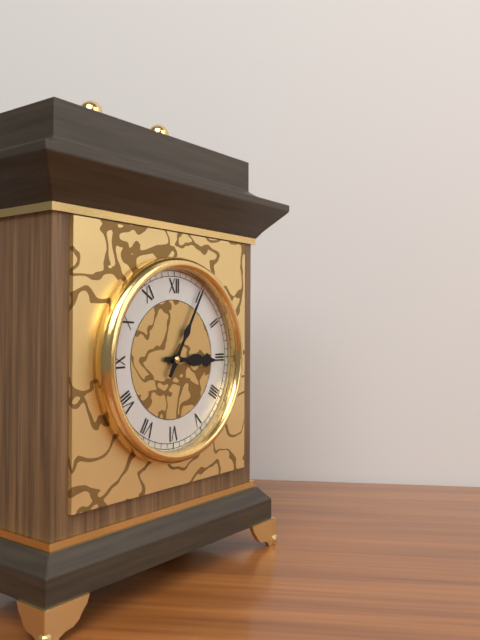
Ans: h=3 m=5
